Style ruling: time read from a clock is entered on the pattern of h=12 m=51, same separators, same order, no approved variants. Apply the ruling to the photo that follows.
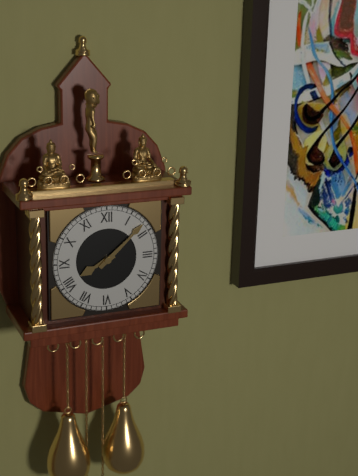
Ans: h=8 m=8
